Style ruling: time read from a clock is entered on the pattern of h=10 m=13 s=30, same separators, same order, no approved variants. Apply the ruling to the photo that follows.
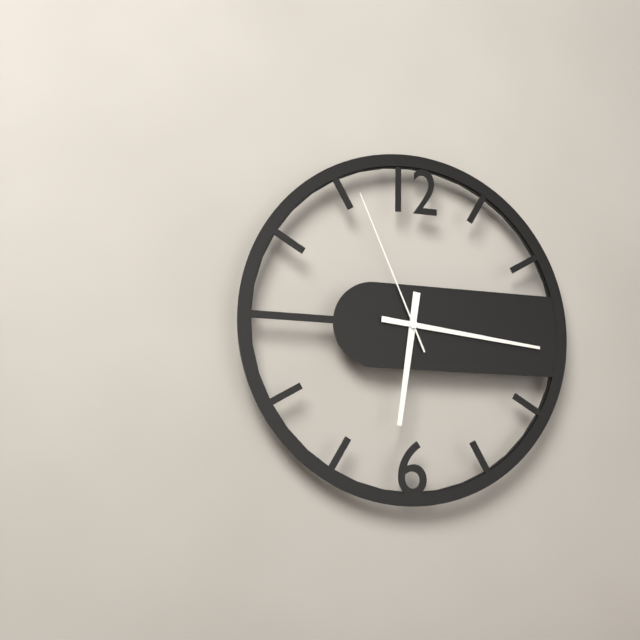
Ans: h=6 m=16 s=56
